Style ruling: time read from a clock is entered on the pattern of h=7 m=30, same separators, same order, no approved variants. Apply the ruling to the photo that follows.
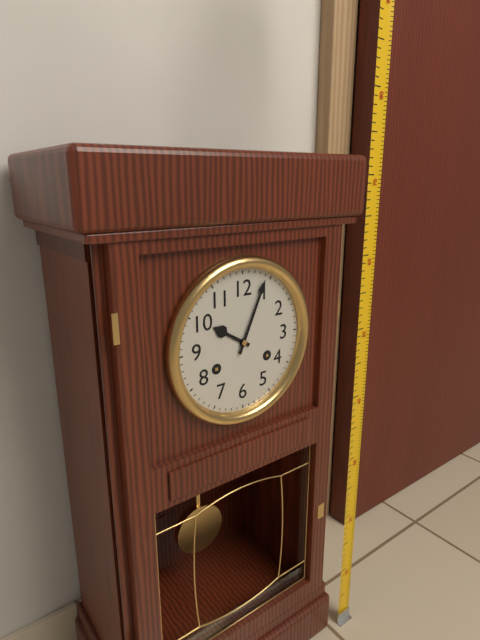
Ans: h=10 m=4
